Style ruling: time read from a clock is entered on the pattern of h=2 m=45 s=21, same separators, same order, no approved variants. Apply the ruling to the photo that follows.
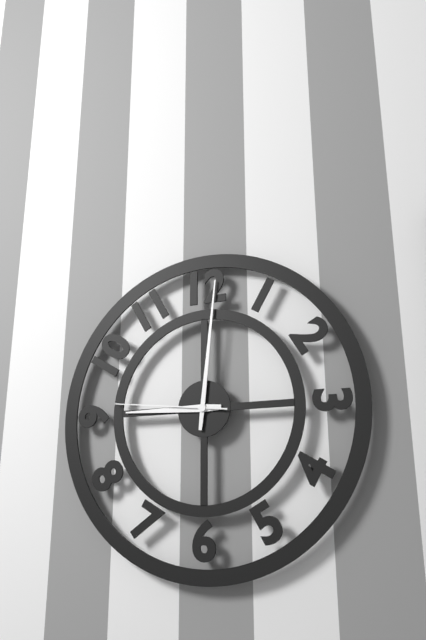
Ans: h=9 m=1 s=46
